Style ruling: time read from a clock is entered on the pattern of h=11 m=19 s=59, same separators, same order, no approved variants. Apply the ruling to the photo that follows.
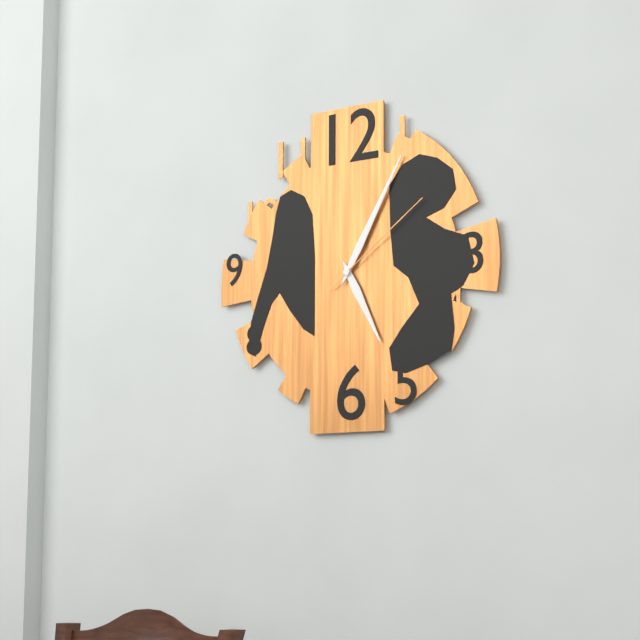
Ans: h=5 m=5 s=9
